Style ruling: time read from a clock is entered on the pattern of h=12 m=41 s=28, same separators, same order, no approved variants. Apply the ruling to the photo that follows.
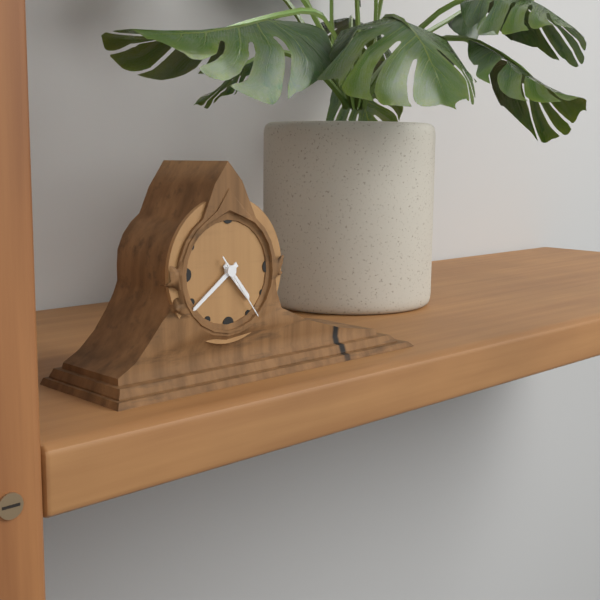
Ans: h=4 m=39 s=24
